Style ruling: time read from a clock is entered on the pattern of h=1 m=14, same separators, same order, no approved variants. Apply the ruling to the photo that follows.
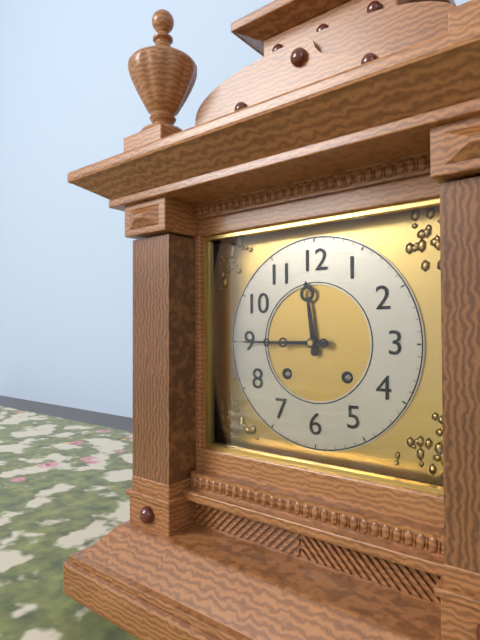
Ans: h=11 m=45
